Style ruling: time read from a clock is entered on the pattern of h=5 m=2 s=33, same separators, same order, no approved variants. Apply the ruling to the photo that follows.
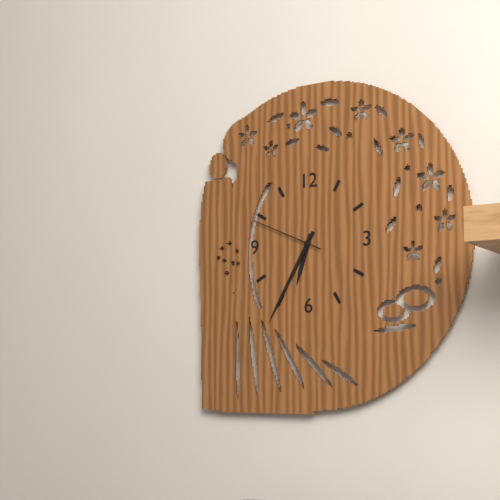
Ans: h=6 m=35 s=49
